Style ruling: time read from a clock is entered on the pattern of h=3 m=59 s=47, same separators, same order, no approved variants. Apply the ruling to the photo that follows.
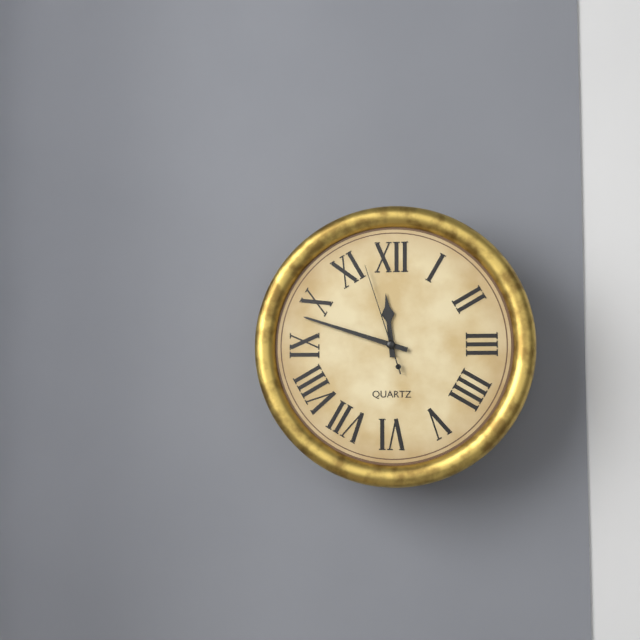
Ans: h=11 m=48 s=57
